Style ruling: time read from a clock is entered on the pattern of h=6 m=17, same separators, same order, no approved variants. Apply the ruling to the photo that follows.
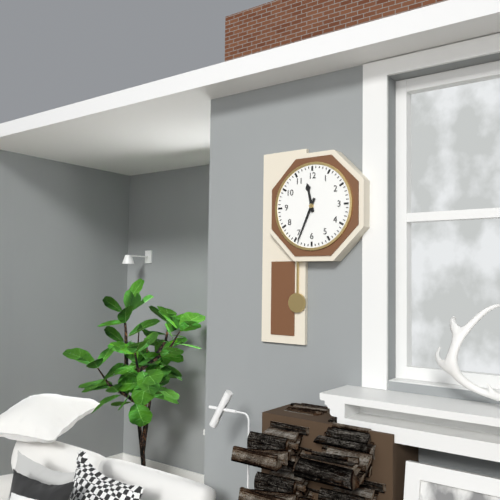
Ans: h=11 m=34
